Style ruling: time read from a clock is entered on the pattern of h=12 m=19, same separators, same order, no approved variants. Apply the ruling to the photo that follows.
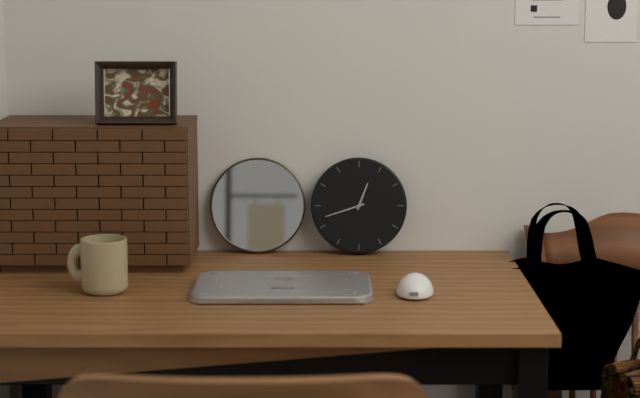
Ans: h=12 m=42
